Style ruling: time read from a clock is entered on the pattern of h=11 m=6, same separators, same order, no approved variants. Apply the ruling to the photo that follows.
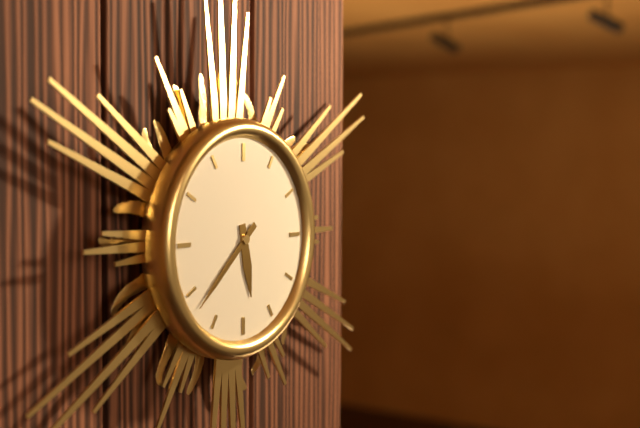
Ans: h=5 m=38
